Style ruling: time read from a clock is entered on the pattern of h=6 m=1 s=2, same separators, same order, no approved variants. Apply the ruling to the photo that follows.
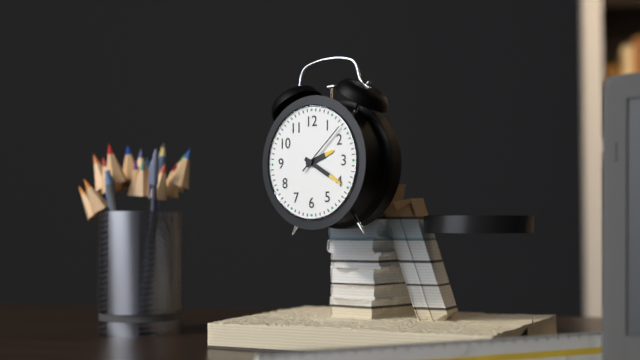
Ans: h=2 m=20 s=8
